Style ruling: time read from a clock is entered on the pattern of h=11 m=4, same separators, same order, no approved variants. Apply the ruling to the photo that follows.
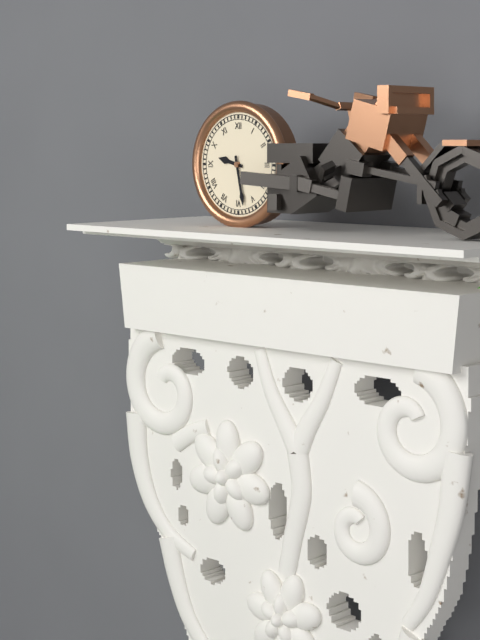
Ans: h=9 m=28
